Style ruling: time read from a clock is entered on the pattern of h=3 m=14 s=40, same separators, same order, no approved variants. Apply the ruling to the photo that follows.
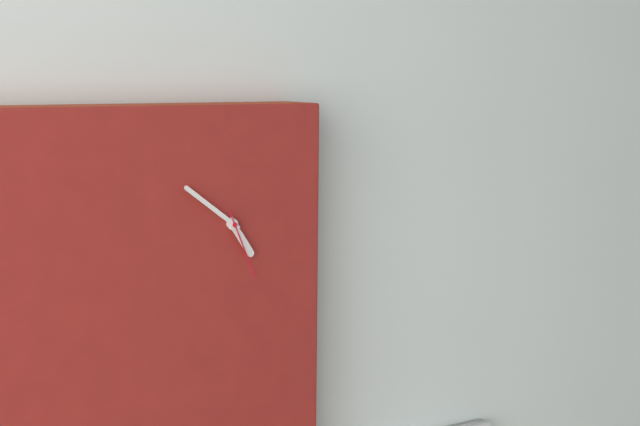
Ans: h=4 m=51 s=26
